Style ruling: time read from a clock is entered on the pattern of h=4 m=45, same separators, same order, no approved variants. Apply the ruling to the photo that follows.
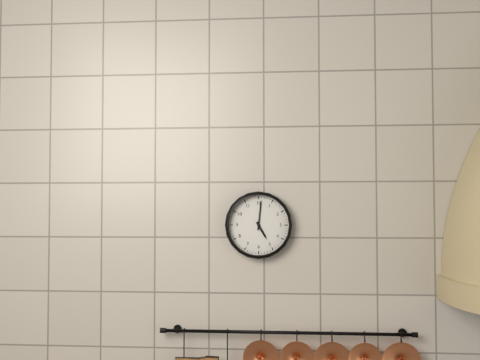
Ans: h=5 m=1
